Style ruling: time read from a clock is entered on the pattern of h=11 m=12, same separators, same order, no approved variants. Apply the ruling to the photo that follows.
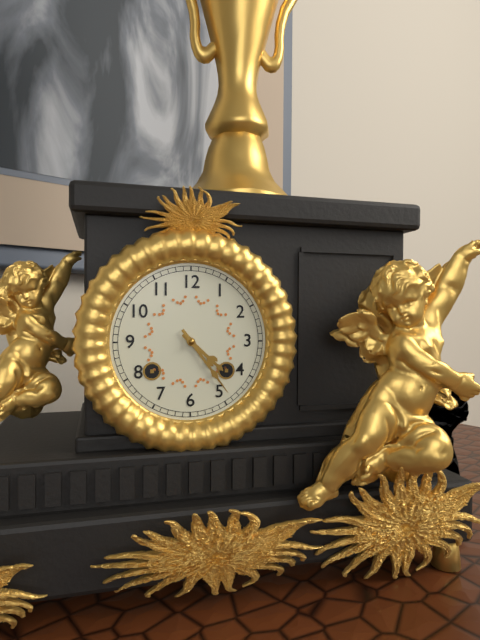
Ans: h=4 m=24
